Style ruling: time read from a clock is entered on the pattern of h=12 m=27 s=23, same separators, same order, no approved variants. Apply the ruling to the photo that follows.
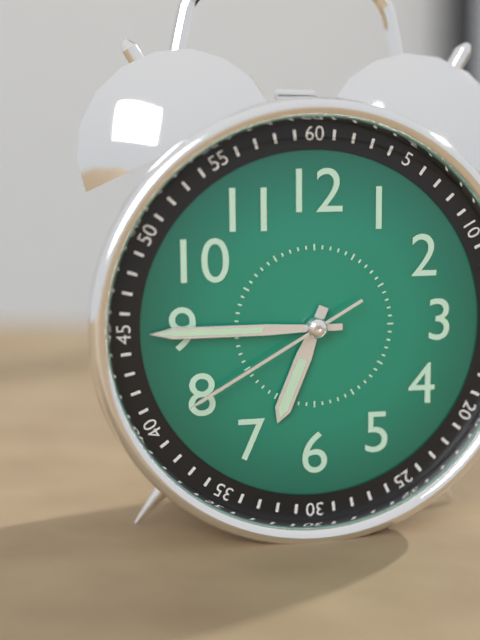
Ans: h=6 m=45 s=40
